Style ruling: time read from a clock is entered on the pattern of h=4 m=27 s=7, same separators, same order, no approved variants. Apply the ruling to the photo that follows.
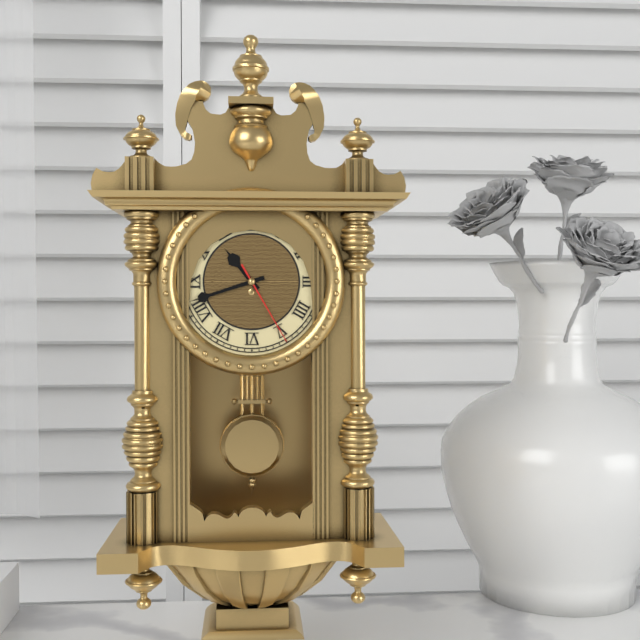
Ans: h=10 m=42 s=25
